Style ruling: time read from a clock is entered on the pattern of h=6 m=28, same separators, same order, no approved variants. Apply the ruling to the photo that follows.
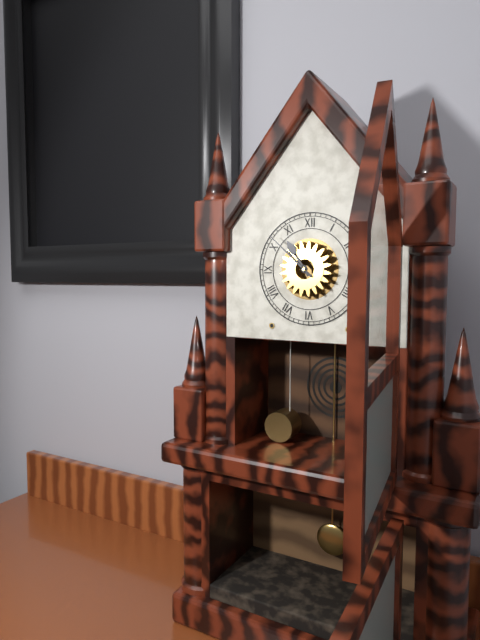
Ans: h=10 m=52
